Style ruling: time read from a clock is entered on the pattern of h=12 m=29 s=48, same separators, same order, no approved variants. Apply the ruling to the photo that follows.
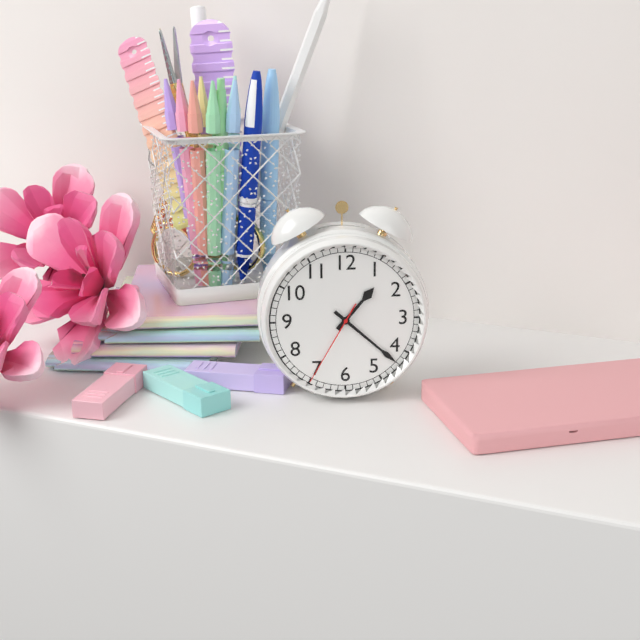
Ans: h=1 m=22 s=35
